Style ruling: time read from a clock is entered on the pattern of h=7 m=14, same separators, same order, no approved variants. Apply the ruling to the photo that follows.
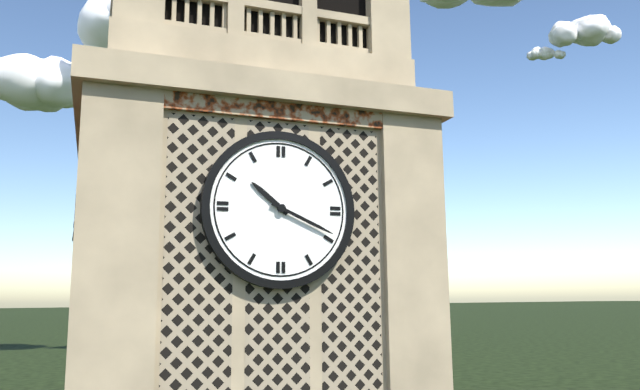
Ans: h=10 m=19
